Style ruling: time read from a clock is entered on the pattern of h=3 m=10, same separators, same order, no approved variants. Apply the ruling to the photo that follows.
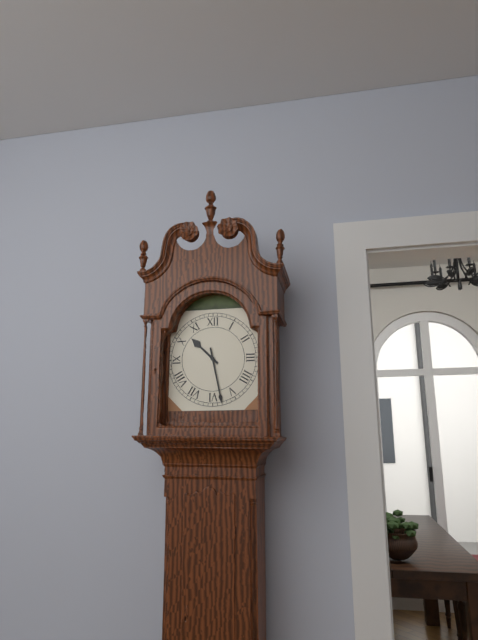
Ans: h=10 m=28
